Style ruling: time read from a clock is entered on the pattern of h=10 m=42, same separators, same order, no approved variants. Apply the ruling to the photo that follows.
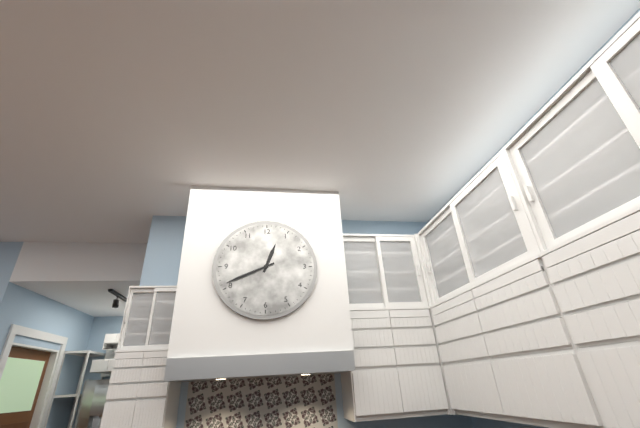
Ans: h=12 m=41
